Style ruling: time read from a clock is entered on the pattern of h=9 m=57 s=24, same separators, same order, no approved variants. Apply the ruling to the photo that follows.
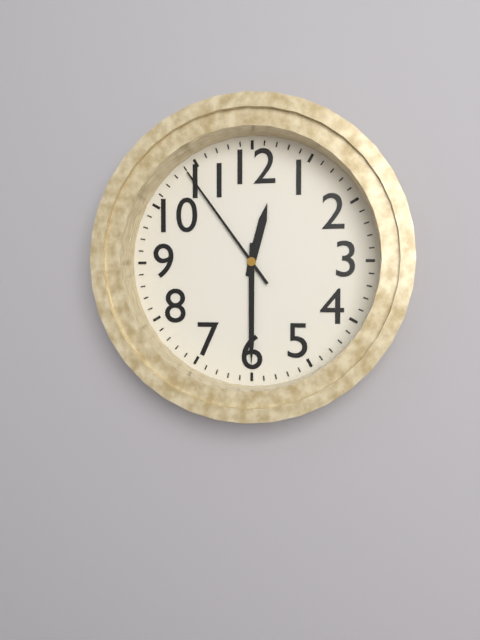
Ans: h=12 m=30 s=54
